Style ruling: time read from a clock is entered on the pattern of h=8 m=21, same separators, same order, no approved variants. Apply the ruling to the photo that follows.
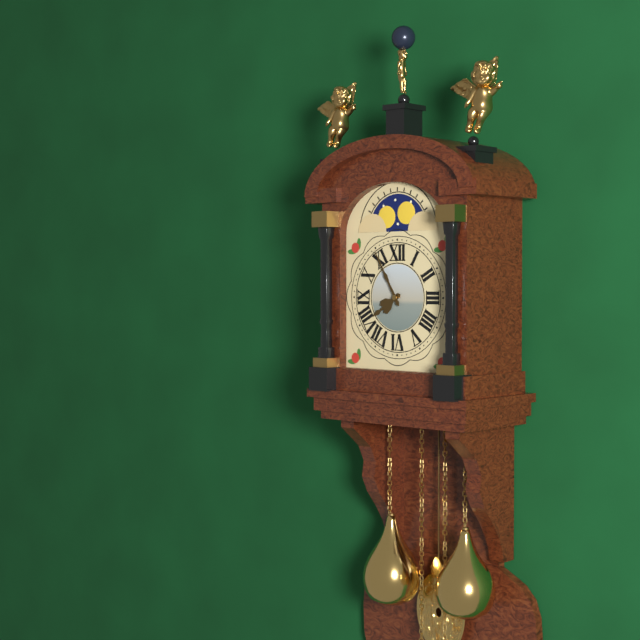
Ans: h=7 m=55
